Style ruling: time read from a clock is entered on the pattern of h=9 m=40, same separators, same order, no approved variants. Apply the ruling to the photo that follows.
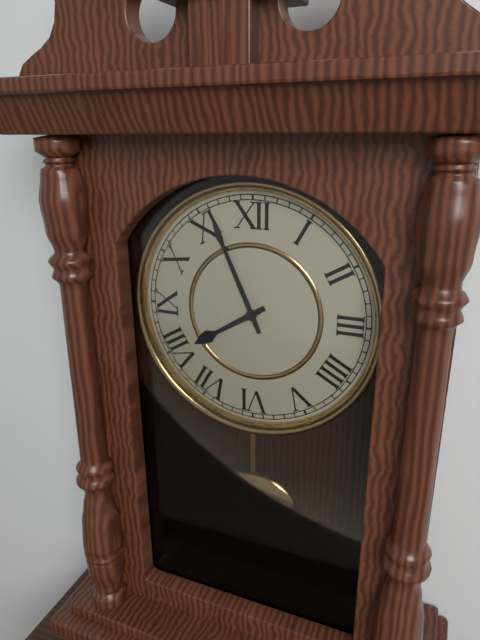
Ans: h=7 m=56
